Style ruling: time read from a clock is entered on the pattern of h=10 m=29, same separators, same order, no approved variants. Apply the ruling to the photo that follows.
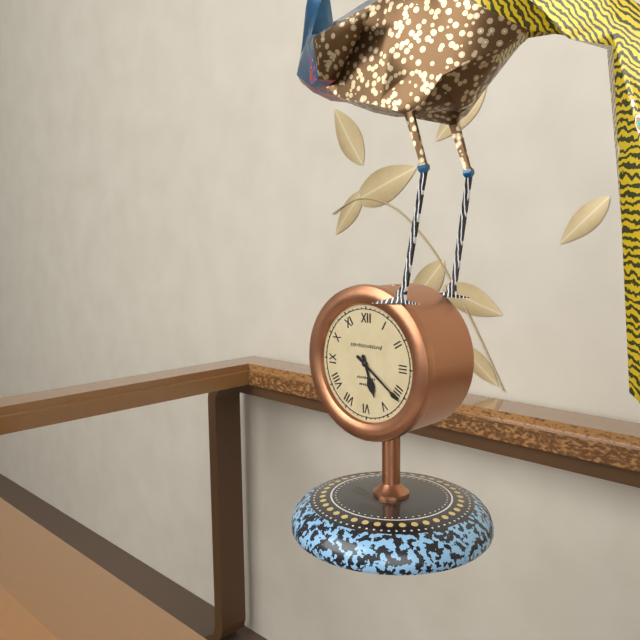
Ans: h=5 m=21
